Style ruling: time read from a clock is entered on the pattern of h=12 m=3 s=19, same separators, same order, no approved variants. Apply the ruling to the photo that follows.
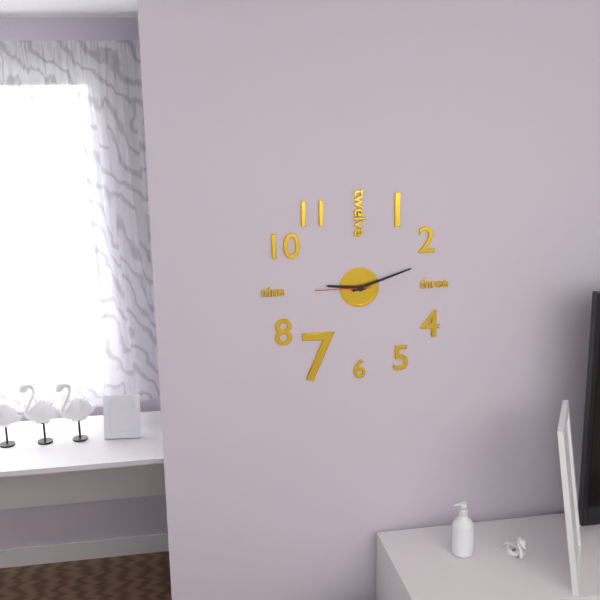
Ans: h=9 m=12 s=45
